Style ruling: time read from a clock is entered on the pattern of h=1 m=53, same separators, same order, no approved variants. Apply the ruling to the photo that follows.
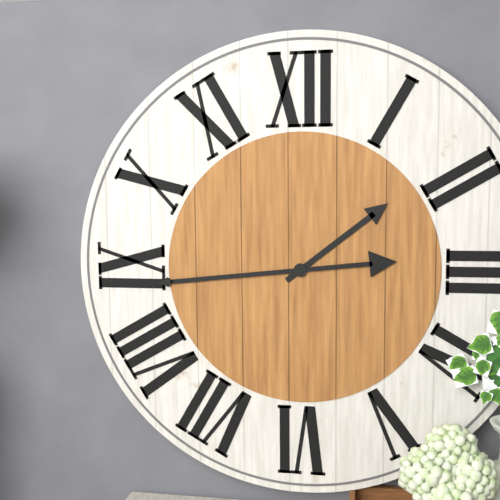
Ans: h=1 m=44
